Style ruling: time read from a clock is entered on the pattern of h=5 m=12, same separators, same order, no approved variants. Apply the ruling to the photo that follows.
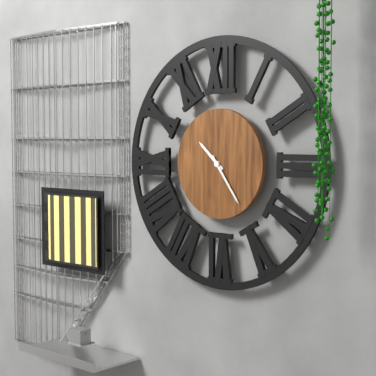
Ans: h=10 m=24
